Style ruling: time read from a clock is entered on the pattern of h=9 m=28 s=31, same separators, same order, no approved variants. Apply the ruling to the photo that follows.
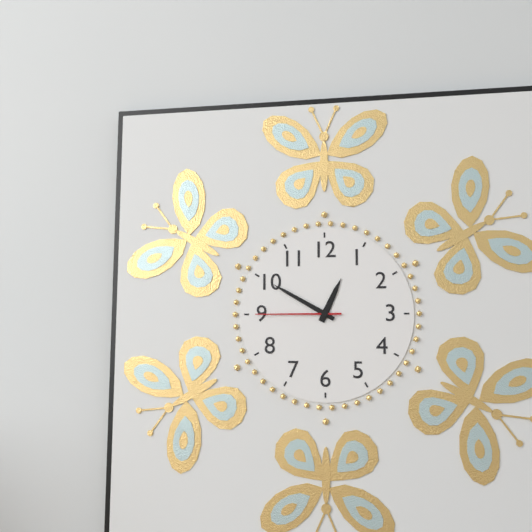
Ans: h=12 m=50 s=45
